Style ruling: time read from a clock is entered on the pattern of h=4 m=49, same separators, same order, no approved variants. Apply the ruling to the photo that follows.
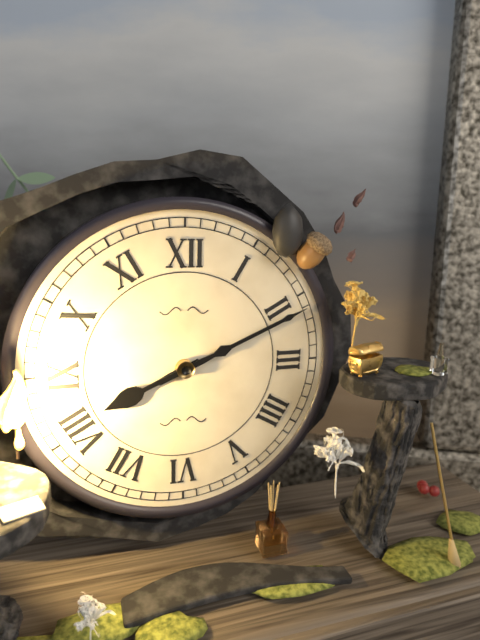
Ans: h=8 m=11
